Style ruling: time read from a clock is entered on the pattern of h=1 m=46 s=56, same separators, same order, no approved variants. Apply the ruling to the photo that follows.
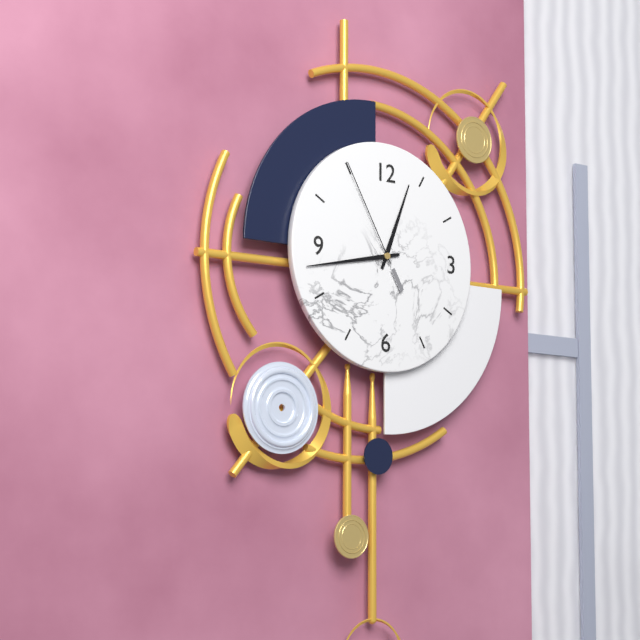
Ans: h=12 m=43 s=55
